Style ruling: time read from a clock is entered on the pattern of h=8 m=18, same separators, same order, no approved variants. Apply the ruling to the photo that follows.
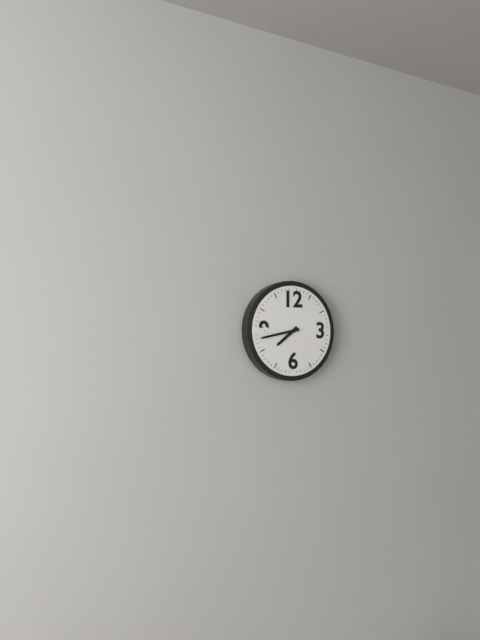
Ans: h=7 m=43
